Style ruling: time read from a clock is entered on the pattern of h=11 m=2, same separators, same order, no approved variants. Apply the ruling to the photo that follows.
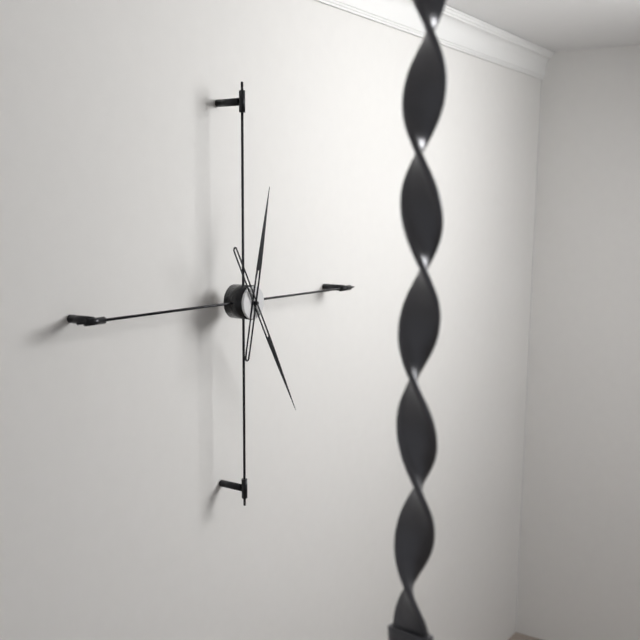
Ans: h=12 m=25
